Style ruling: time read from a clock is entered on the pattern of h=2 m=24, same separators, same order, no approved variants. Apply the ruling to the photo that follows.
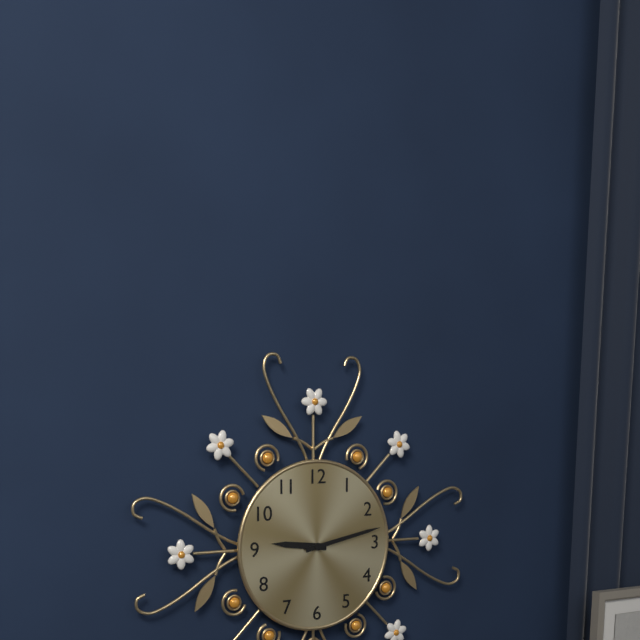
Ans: h=9 m=13
